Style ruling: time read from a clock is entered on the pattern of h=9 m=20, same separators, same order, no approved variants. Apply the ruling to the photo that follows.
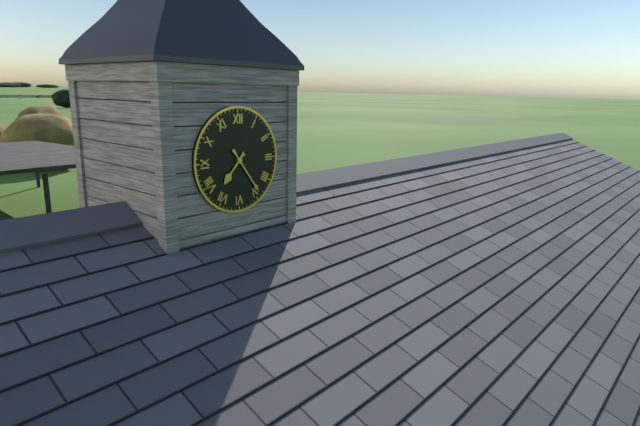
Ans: h=7 m=24
